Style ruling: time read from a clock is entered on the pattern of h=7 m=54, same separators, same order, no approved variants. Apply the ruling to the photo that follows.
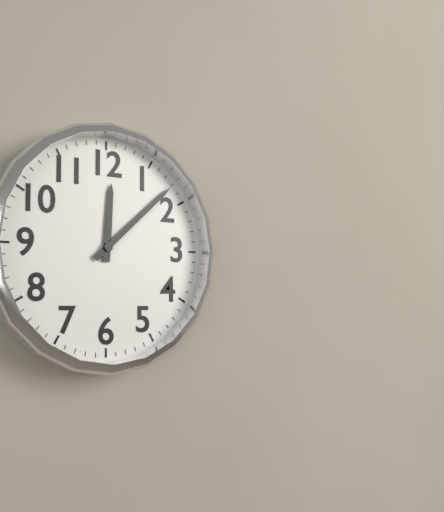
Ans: h=12 m=8
